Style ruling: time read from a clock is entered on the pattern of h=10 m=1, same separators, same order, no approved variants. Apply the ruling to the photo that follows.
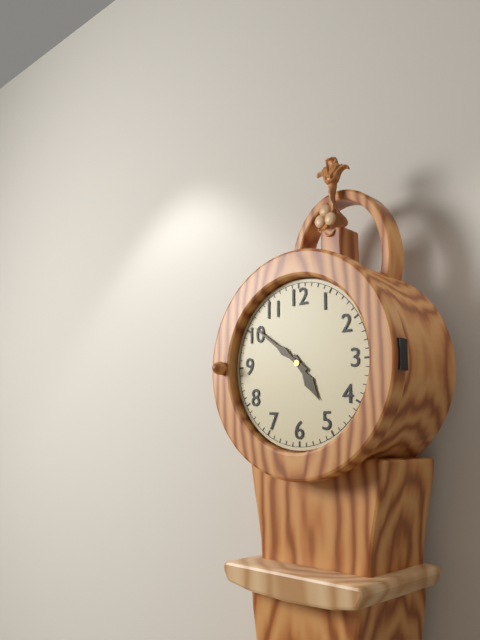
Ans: h=4 m=51
